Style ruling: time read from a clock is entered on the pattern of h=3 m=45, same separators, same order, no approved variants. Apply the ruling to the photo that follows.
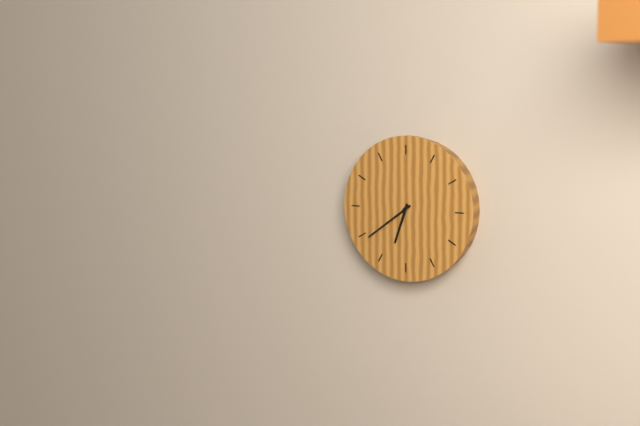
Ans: h=6 m=39
